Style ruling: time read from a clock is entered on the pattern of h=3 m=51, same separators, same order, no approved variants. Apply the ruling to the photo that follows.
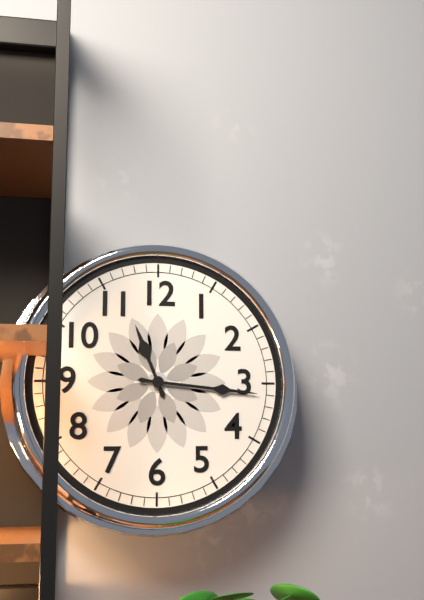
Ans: h=11 m=16
